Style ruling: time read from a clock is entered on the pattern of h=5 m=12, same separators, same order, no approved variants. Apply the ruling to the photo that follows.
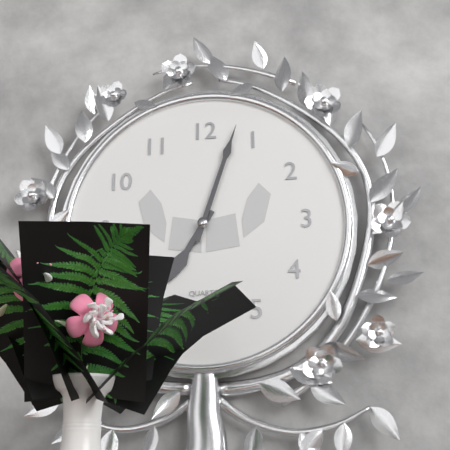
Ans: h=7 m=3
